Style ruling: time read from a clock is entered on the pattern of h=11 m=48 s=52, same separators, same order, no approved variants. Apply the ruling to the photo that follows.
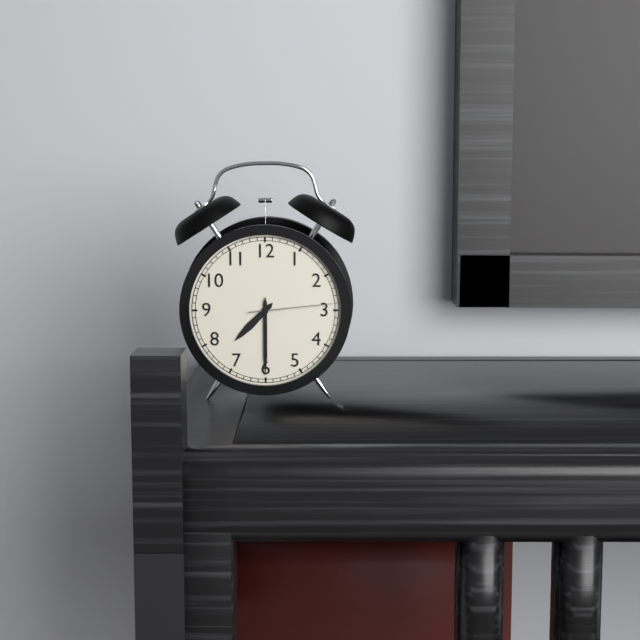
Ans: h=7 m=30 s=14
